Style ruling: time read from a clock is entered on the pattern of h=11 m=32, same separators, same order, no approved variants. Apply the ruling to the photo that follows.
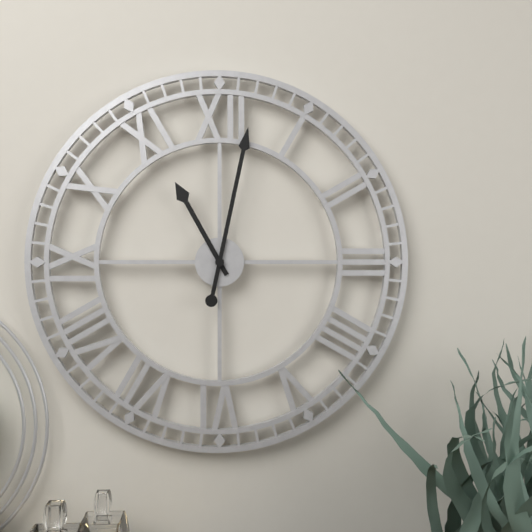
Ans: h=11 m=2
